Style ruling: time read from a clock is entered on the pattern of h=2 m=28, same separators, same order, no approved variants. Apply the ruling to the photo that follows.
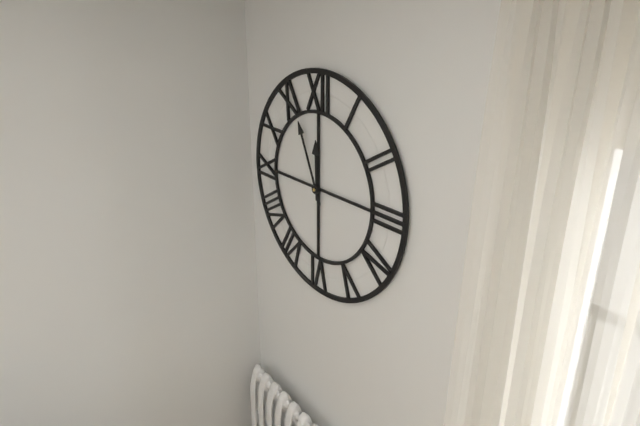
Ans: h=11 m=56
